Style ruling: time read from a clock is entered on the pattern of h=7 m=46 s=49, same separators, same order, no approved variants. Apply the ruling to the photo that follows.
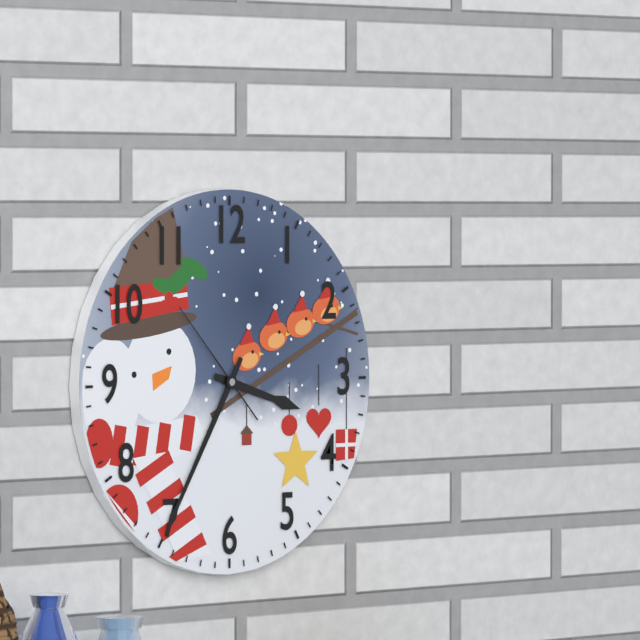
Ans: h=3 m=35 s=53
